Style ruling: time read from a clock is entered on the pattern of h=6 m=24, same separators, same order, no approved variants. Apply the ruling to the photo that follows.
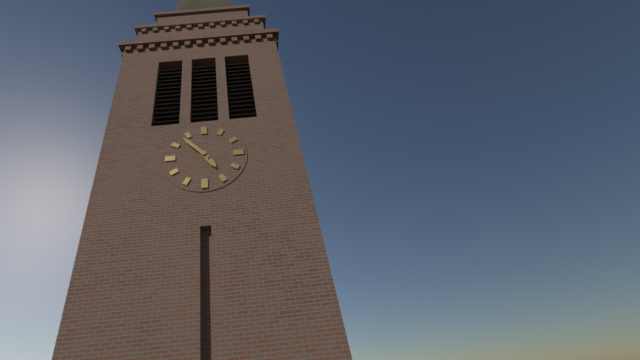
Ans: h=4 m=53
